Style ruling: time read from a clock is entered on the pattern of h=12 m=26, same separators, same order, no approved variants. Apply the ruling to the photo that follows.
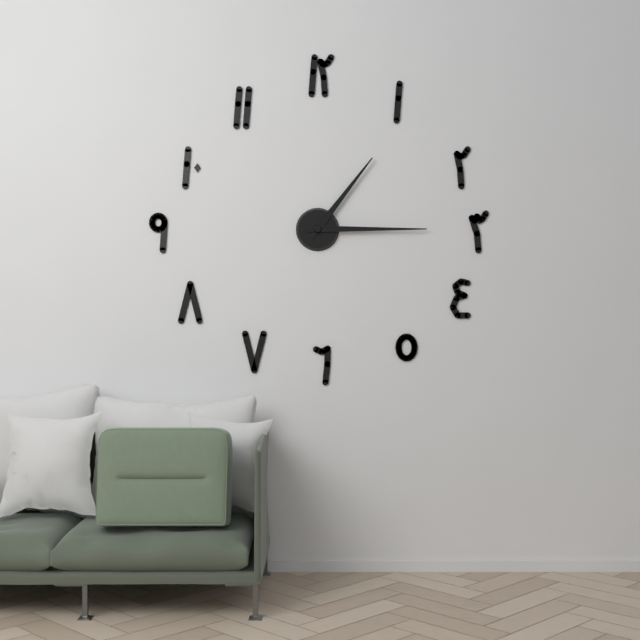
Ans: h=1 m=15
